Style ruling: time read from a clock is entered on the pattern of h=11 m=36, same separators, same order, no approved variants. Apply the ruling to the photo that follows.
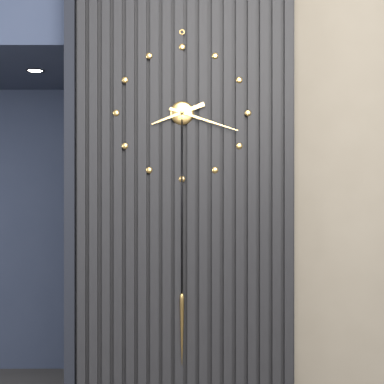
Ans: h=8 m=18
